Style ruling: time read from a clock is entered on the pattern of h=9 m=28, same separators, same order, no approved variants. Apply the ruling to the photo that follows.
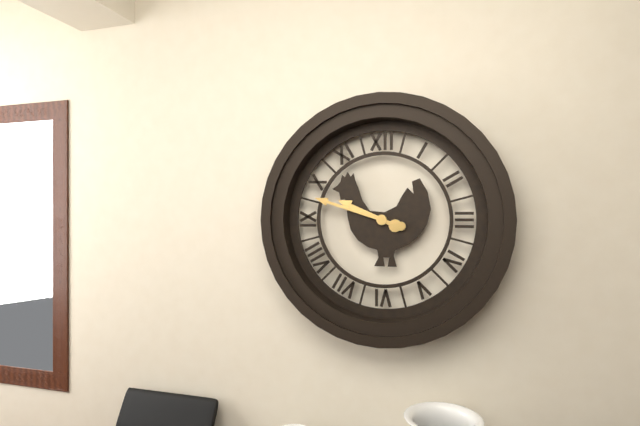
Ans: h=9 m=48
